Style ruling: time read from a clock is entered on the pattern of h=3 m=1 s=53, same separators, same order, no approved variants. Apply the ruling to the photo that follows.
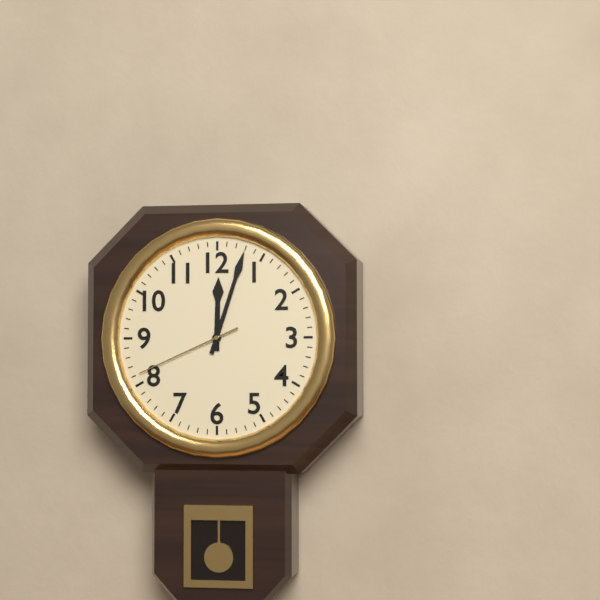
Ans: h=12 m=3 s=41
